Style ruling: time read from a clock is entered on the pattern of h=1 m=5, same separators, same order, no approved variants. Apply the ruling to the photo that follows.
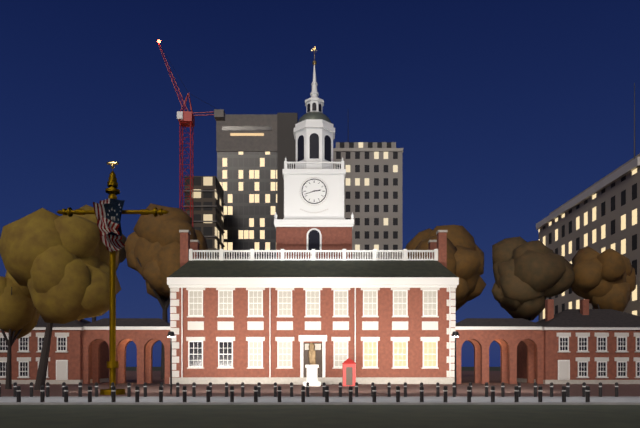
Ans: h=2 m=42
